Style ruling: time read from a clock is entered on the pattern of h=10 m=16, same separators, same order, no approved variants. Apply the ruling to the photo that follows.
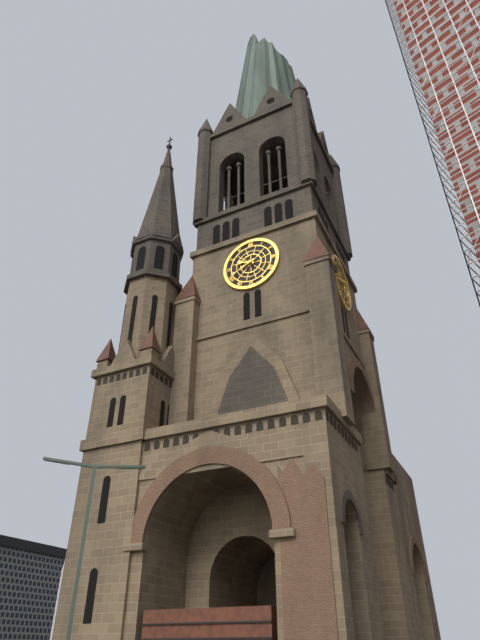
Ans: h=9 m=41
